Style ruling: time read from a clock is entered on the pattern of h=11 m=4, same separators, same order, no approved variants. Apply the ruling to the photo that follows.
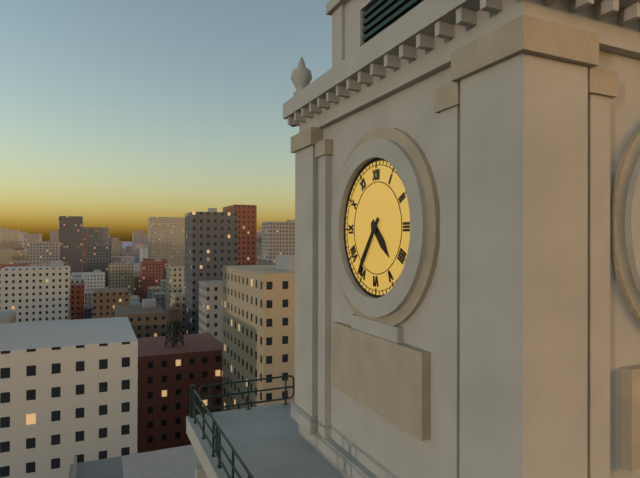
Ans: h=4 m=36
